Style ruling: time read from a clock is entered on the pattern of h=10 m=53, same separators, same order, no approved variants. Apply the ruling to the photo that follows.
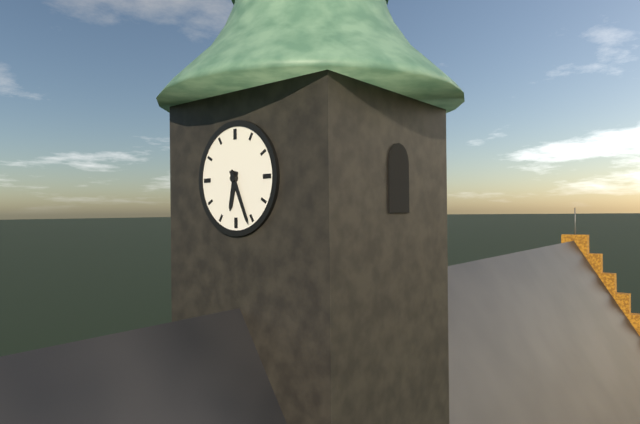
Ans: h=6 m=26
